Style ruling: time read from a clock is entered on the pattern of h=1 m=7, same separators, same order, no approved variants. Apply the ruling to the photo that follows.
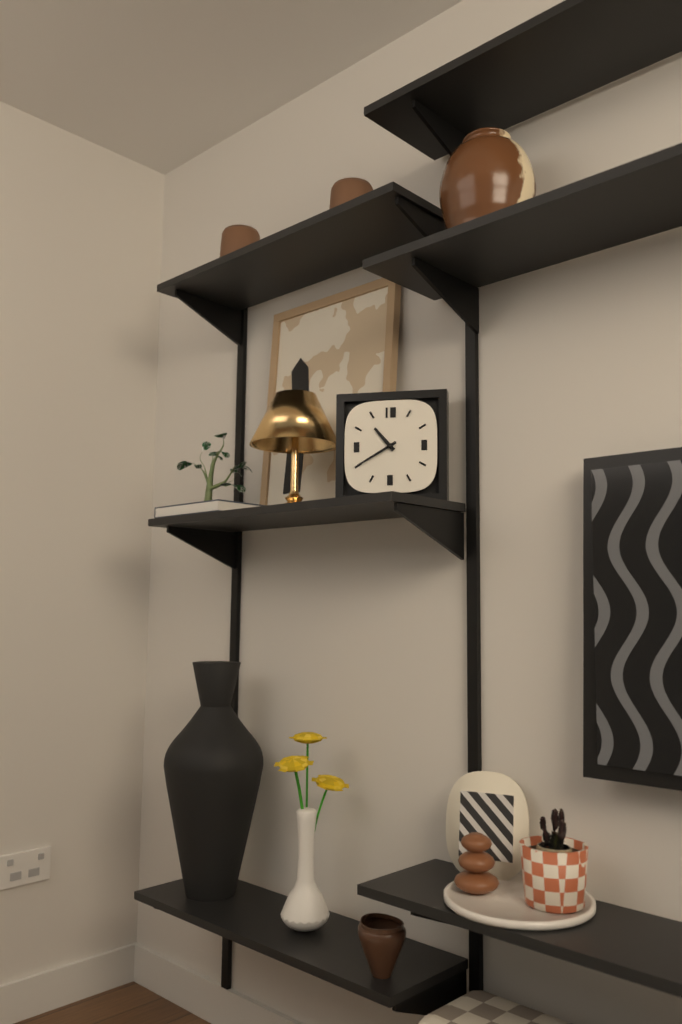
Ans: h=10 m=40
